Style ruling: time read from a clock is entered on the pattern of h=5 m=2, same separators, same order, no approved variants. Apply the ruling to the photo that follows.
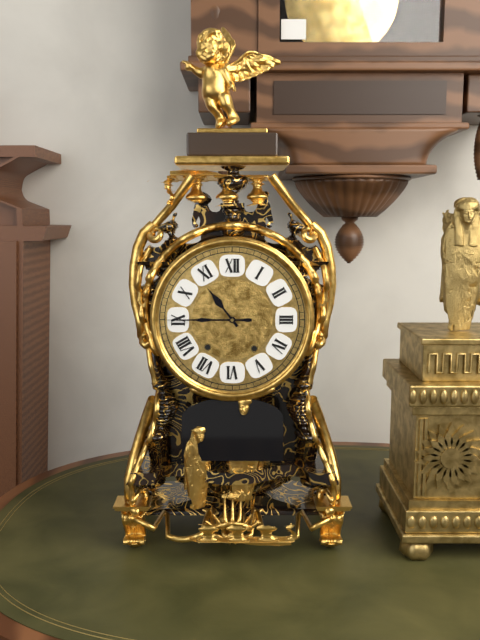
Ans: h=10 m=45
